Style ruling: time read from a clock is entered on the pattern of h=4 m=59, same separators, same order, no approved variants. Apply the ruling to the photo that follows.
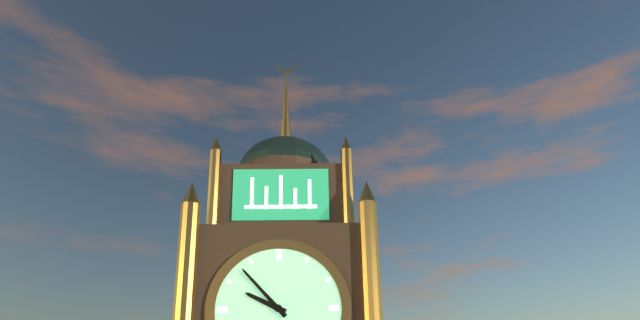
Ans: h=9 m=53
